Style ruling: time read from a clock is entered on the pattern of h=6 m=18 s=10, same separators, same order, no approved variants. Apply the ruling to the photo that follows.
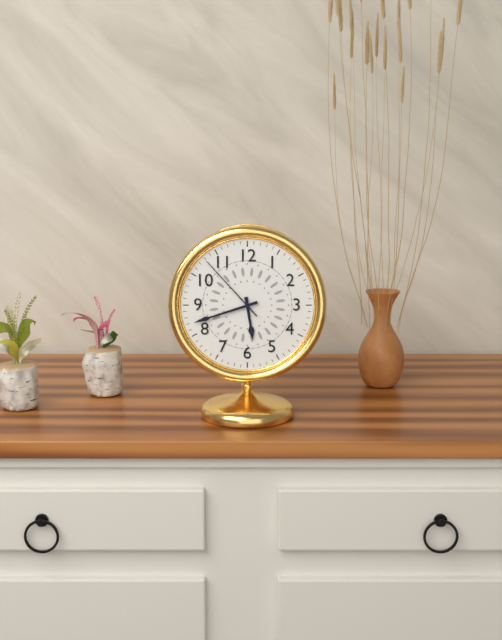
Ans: h=5 m=42 s=53
